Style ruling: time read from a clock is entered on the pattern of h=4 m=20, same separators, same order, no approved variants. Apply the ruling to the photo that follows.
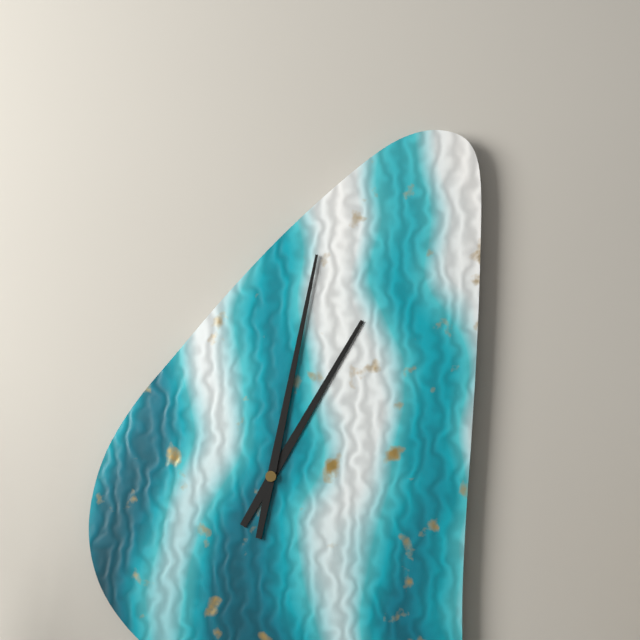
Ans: h=1 m=2
